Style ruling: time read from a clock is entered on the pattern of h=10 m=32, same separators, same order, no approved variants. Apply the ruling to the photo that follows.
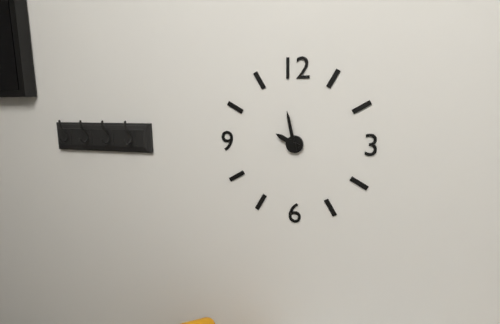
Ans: h=9 m=58
